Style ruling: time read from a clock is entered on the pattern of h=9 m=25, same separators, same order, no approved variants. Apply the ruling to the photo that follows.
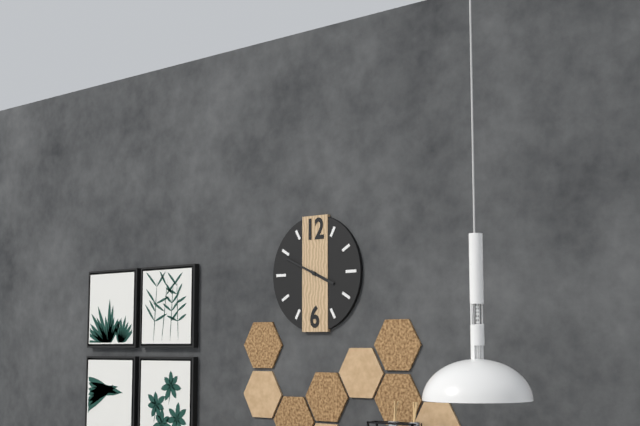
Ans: h=3 m=49
